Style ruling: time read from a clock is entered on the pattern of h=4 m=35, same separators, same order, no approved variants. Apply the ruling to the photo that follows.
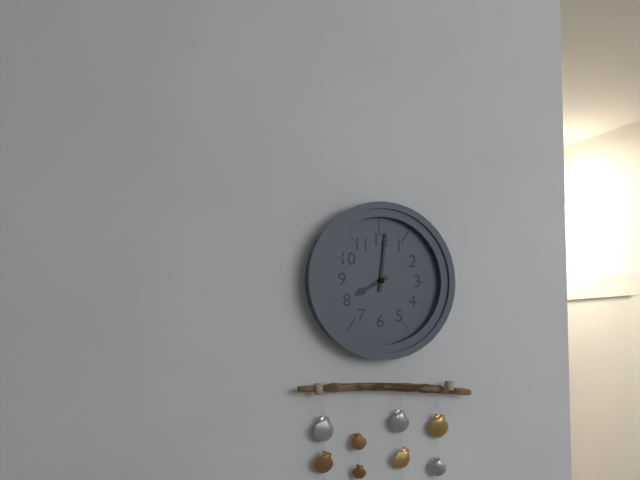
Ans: h=8 m=1
